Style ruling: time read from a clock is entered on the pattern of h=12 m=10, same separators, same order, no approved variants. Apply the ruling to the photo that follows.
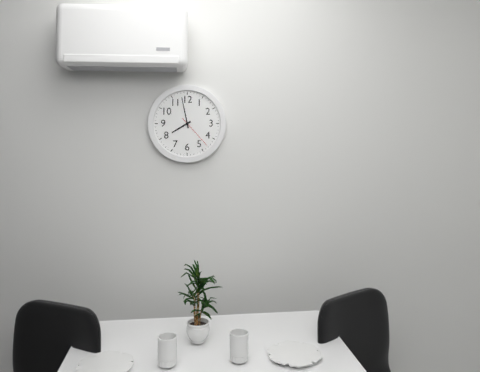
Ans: h=7 m=58
